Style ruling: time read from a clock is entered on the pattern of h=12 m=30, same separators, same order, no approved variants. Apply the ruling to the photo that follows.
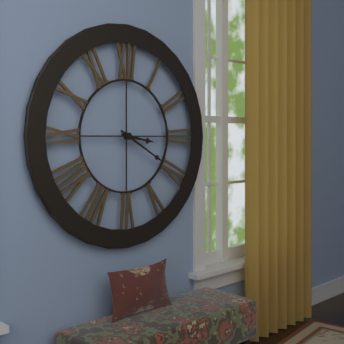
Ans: h=3 m=20
